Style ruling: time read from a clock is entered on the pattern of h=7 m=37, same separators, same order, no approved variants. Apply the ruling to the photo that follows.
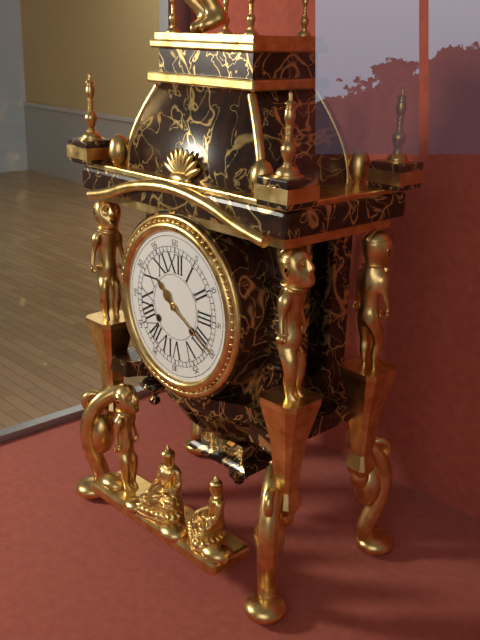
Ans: h=10 m=20
